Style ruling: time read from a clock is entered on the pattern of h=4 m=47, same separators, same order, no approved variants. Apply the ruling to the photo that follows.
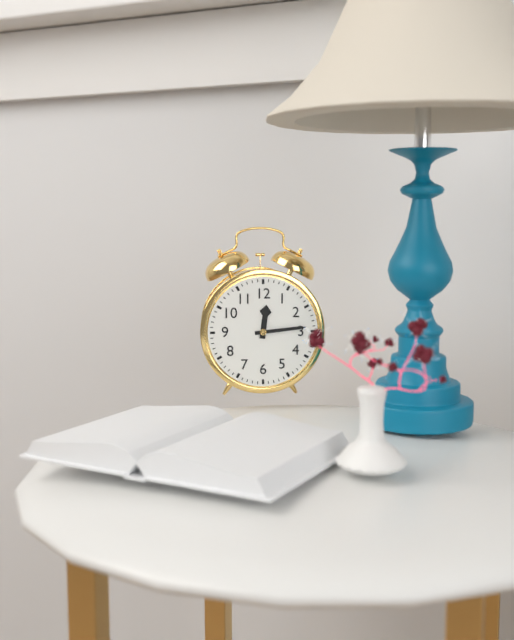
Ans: h=12 m=14
